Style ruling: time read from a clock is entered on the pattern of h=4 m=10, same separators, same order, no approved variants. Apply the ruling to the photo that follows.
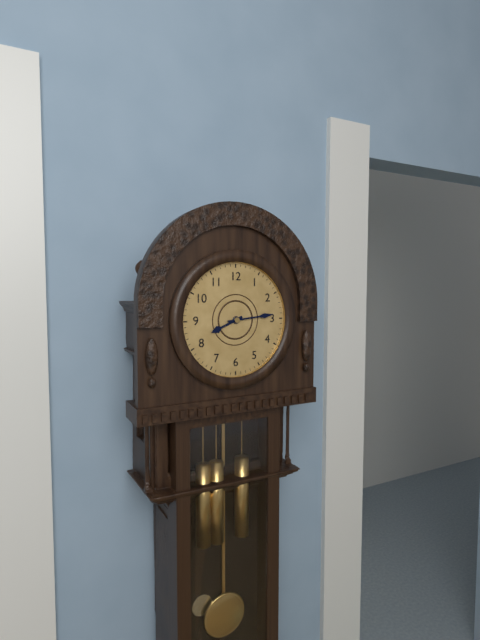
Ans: h=8 m=14
